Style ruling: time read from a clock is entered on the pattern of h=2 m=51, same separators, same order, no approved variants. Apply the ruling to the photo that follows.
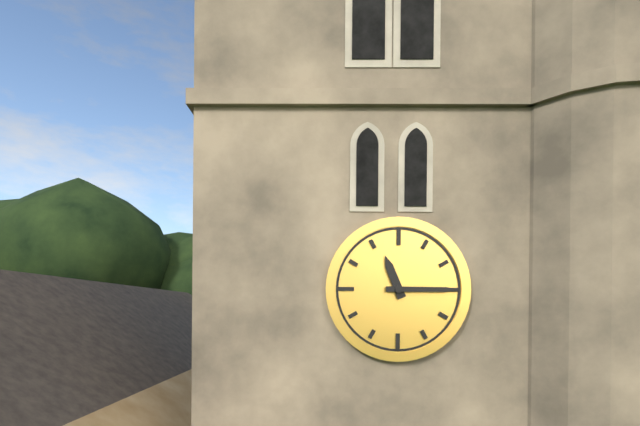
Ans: h=11 m=15
